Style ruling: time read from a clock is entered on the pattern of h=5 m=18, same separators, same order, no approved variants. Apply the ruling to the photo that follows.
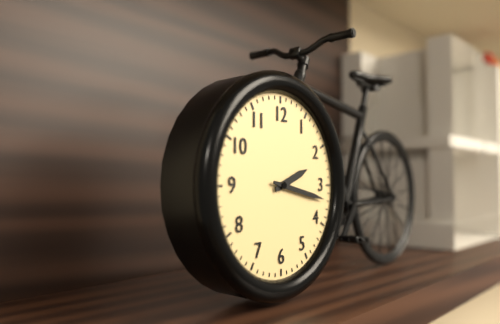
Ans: h=2 m=17
